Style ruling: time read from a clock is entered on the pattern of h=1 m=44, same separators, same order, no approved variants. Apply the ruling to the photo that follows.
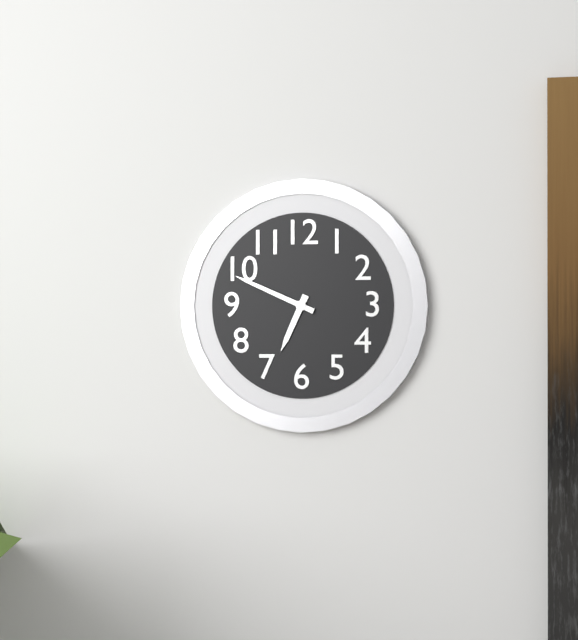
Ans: h=6 m=49
